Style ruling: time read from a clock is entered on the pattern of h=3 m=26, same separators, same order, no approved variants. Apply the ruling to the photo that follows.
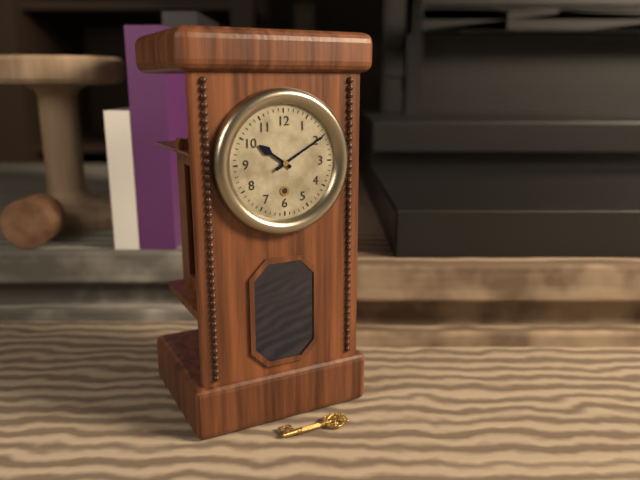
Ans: h=10 m=10
